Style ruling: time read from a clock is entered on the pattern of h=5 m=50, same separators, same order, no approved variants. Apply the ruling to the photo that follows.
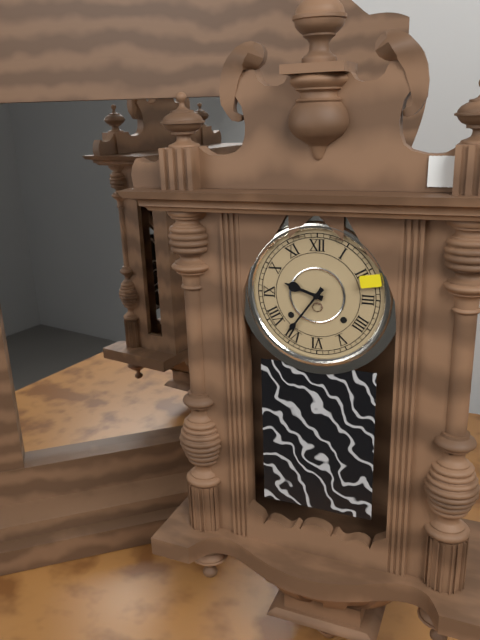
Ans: h=9 m=36
